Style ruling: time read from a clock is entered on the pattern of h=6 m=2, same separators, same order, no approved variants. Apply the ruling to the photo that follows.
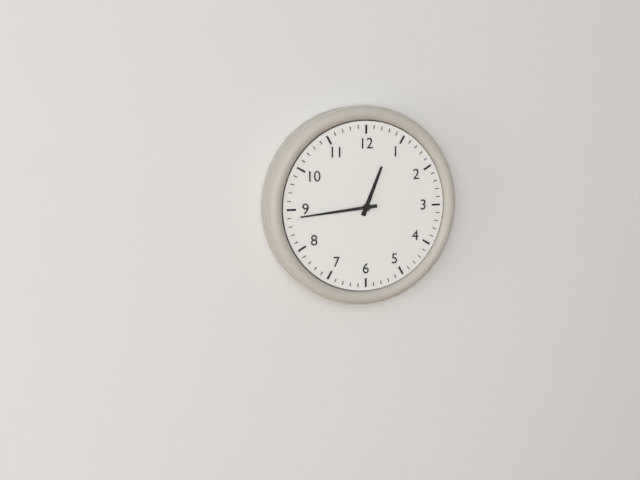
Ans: h=12 m=44
